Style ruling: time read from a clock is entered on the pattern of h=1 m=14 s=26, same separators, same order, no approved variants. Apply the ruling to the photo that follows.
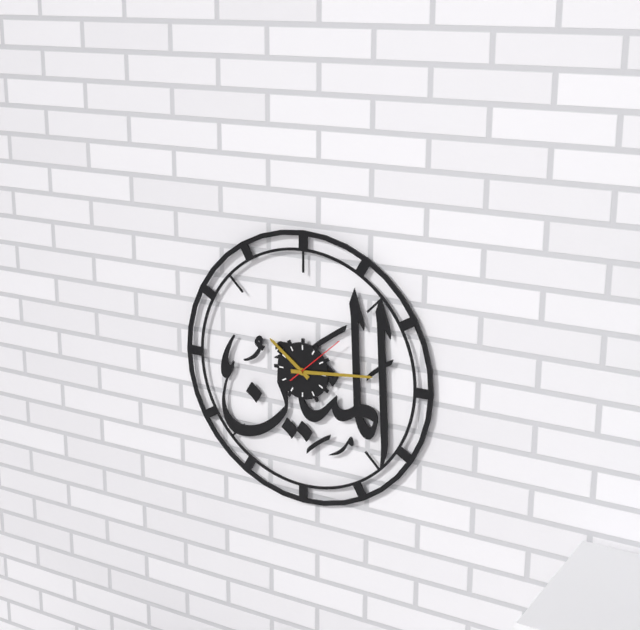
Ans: h=10 m=14 s=8
